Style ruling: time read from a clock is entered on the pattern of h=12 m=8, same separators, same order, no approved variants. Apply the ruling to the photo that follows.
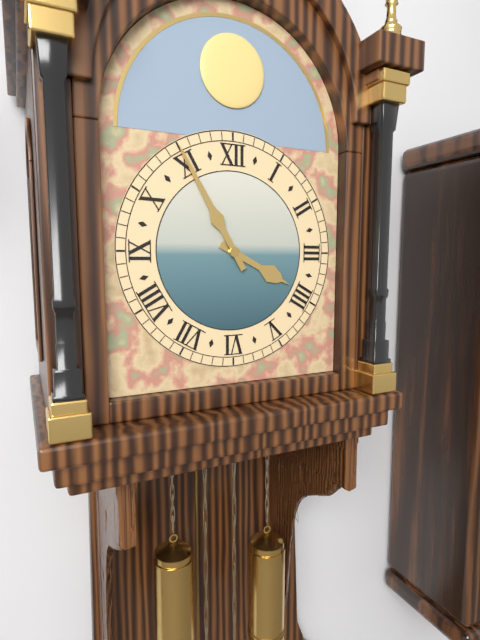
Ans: h=3 m=55
